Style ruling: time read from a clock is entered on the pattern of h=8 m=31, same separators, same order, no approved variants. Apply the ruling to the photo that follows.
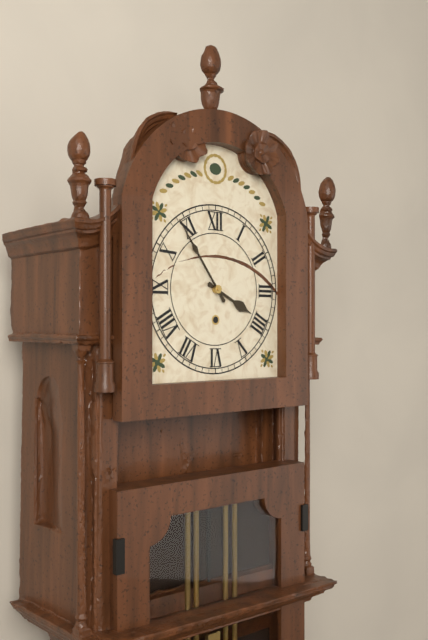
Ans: h=3 m=54
